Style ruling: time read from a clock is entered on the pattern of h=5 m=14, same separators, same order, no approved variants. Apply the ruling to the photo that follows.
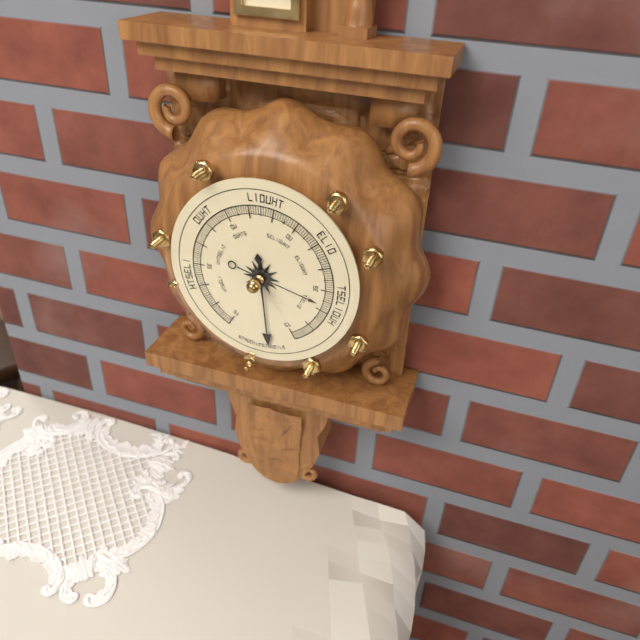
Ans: h=3 m=29
